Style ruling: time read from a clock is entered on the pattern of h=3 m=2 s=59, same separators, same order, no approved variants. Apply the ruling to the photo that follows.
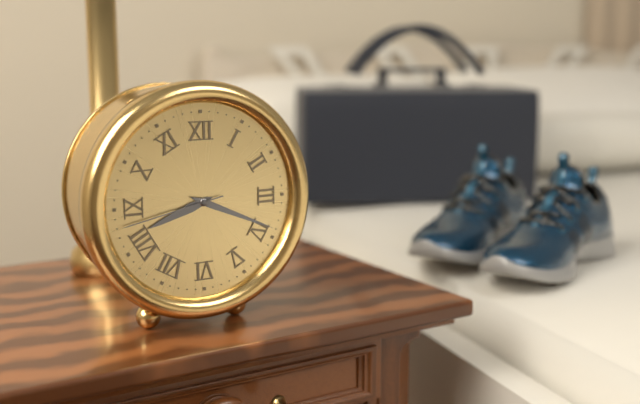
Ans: h=8 m=19 s=43
